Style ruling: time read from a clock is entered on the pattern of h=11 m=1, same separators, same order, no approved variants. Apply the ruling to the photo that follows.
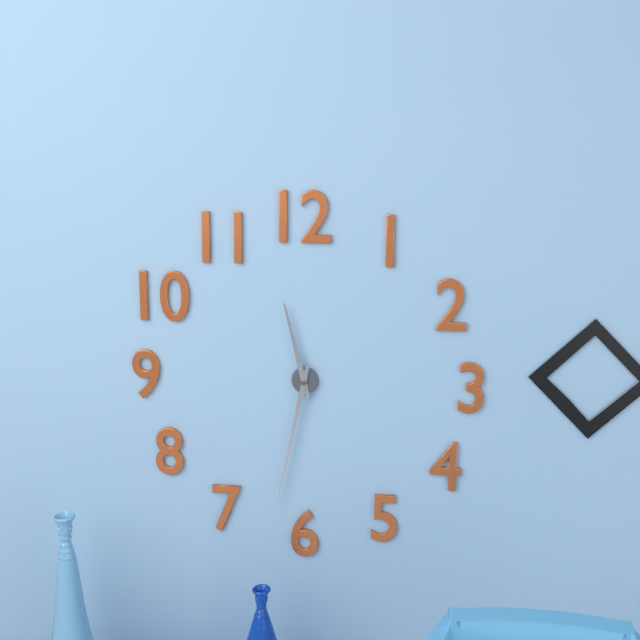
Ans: h=11 m=32
